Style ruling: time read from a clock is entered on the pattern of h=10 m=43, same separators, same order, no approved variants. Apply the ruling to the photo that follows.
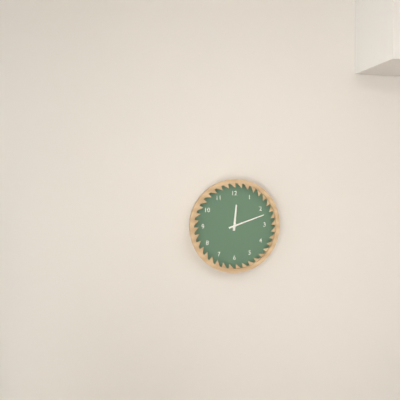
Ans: h=12 m=12
